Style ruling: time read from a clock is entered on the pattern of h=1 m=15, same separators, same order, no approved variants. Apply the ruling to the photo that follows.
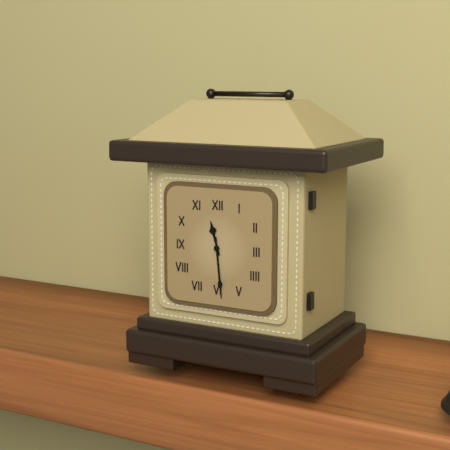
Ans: h=11 m=29
